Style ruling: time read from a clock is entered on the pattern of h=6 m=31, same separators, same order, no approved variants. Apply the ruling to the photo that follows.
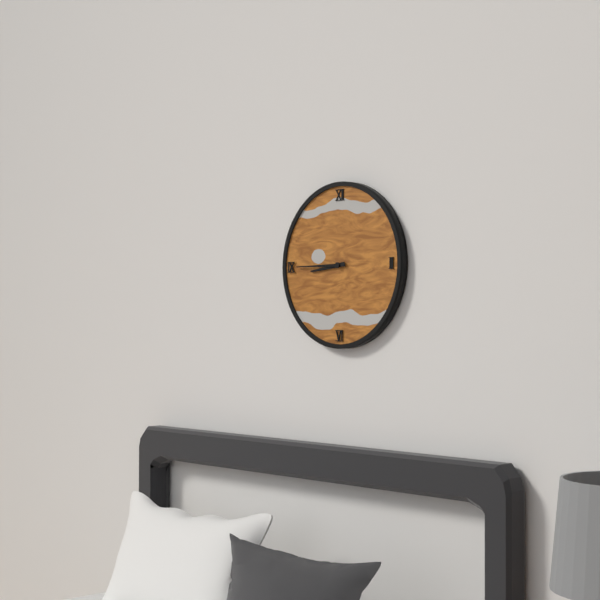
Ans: h=8 m=45
